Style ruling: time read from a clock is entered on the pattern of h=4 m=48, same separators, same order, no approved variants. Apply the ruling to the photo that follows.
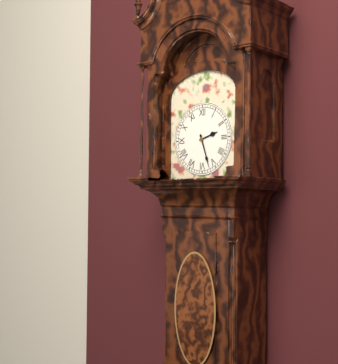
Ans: h=2 m=27
